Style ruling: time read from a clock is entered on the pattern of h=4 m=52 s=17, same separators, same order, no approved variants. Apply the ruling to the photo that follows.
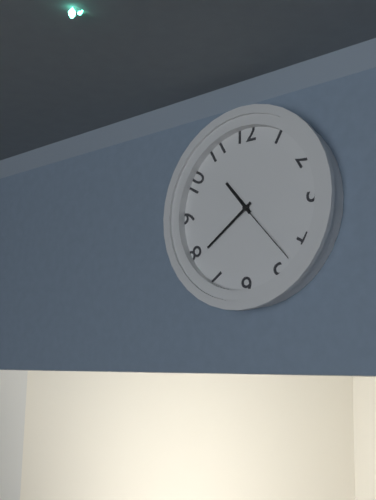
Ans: h=10 m=39 s=23
